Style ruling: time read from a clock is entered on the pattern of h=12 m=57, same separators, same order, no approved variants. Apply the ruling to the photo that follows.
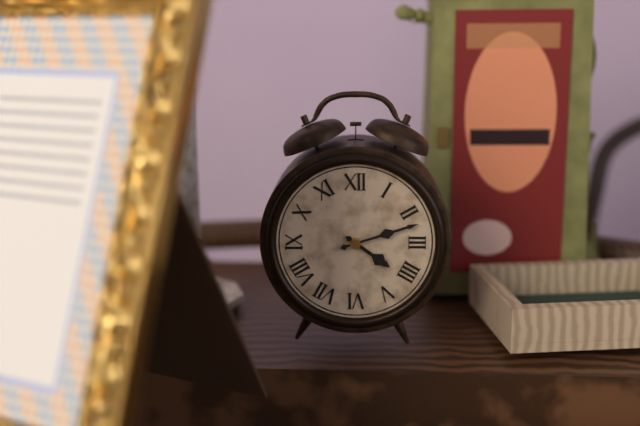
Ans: h=4 m=12
